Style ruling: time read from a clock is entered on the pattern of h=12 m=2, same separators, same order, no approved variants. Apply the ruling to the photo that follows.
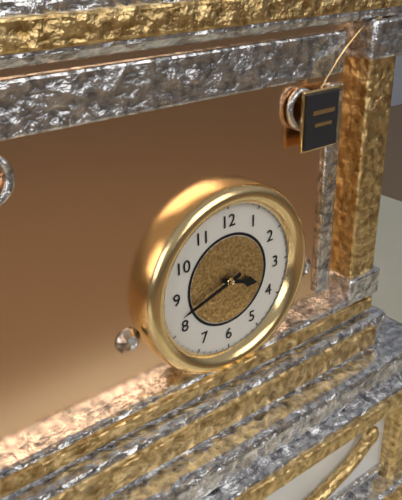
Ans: h=3 m=42
